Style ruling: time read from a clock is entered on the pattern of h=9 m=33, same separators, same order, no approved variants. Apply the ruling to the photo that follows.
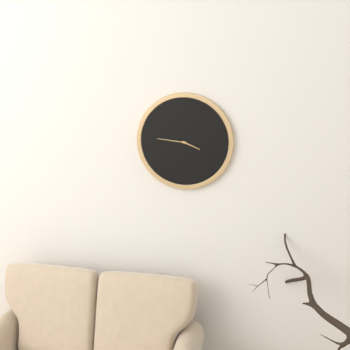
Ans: h=3 m=46
